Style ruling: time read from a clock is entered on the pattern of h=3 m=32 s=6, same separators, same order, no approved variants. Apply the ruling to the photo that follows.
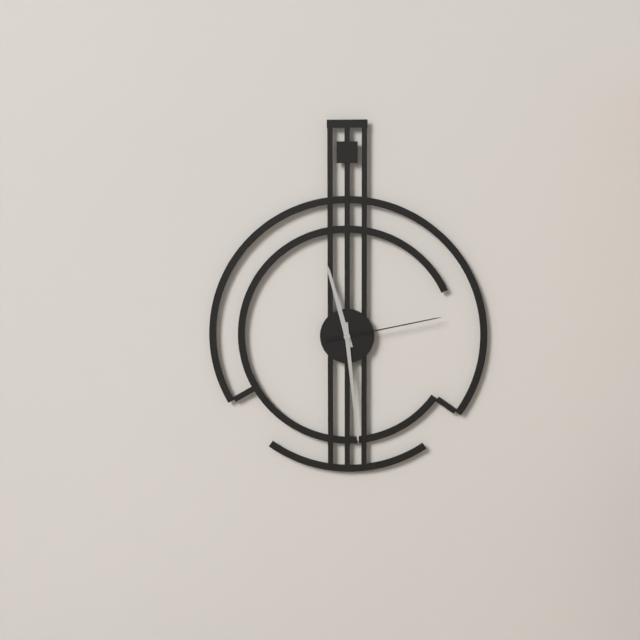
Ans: h=11 m=29 s=13
